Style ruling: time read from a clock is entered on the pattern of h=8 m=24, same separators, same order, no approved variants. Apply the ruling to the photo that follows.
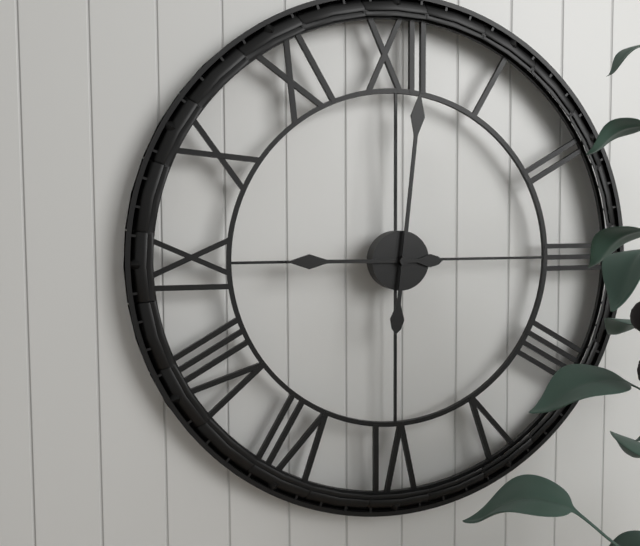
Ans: h=9 m=1
